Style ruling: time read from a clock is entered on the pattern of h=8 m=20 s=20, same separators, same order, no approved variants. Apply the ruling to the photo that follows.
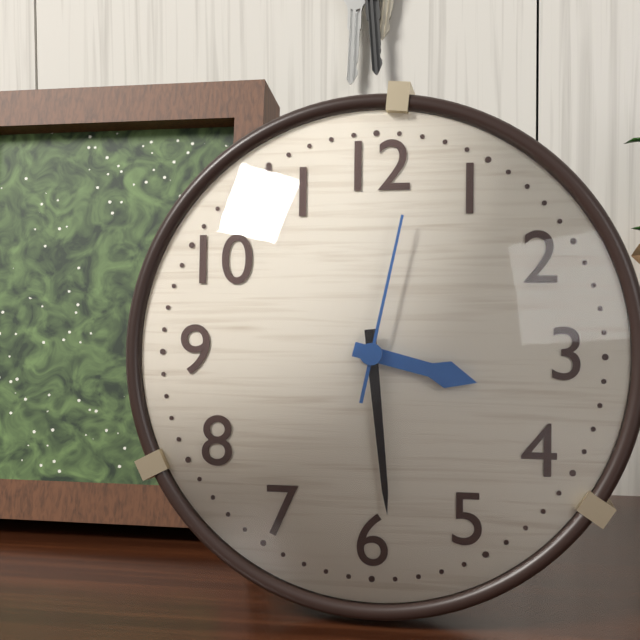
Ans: h=3 m=29 s=2
